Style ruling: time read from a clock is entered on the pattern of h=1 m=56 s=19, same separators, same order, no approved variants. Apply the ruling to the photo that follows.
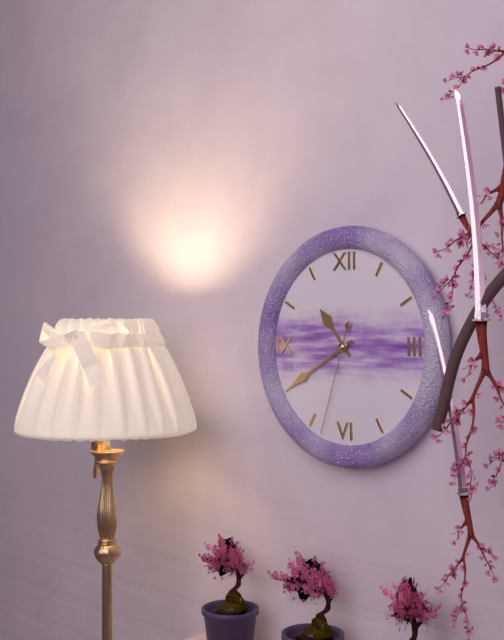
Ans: h=10 m=40 s=33
